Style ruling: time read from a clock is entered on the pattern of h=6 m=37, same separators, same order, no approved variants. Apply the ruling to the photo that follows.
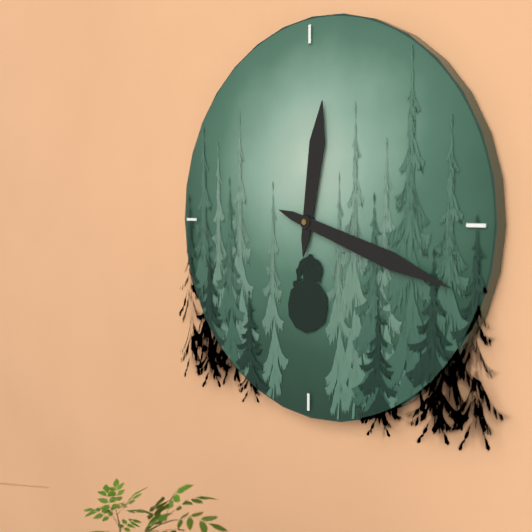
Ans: h=12 m=18
